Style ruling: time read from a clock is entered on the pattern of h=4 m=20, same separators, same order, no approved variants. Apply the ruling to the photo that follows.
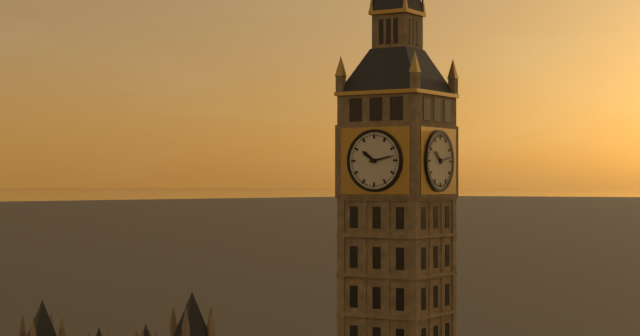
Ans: h=10 m=13
